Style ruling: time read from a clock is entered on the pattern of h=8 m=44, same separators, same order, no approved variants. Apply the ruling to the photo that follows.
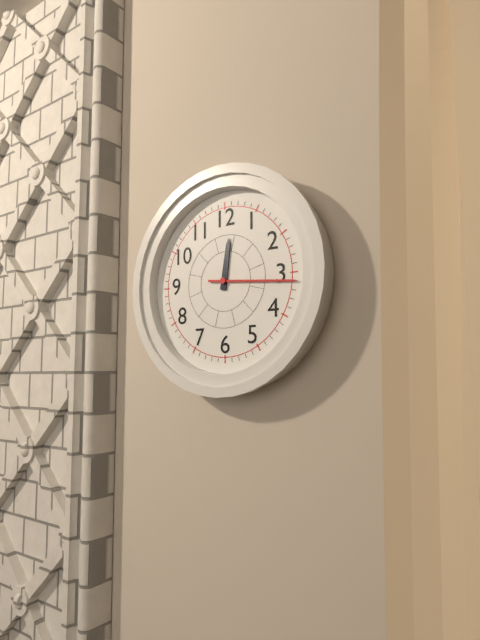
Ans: h=12 m=16
